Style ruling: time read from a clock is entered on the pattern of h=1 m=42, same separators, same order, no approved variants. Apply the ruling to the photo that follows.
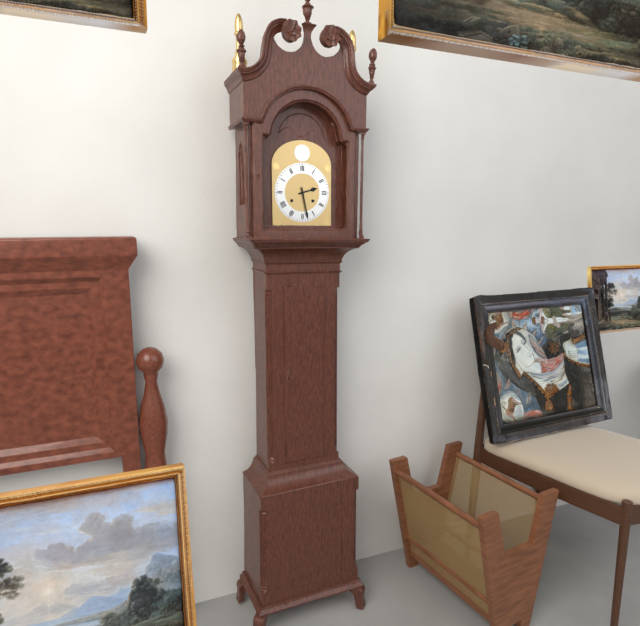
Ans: h=2 m=28
